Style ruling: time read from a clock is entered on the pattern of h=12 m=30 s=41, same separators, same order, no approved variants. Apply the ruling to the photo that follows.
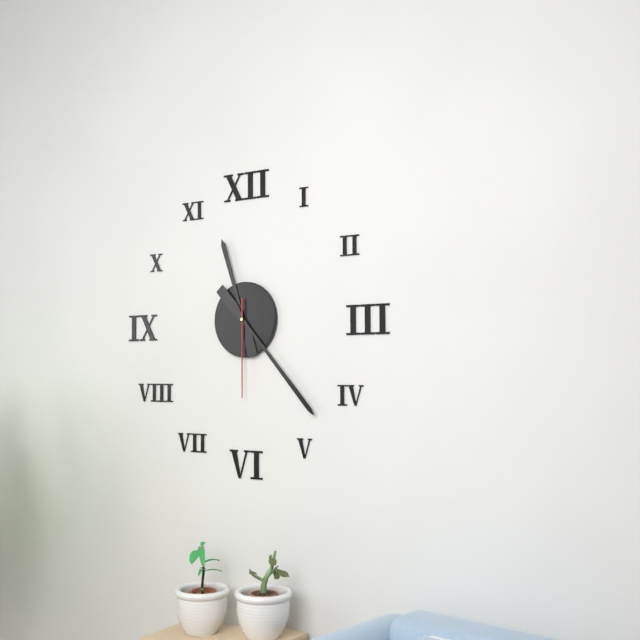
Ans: h=11 m=23 s=30
